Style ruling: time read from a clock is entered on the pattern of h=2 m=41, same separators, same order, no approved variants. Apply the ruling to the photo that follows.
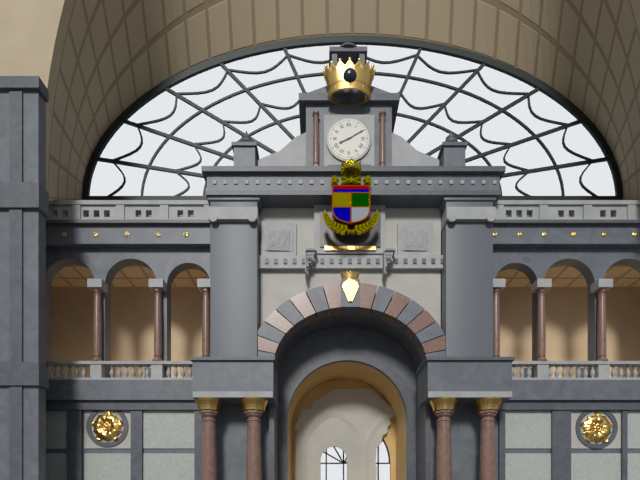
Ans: h=8 m=10
